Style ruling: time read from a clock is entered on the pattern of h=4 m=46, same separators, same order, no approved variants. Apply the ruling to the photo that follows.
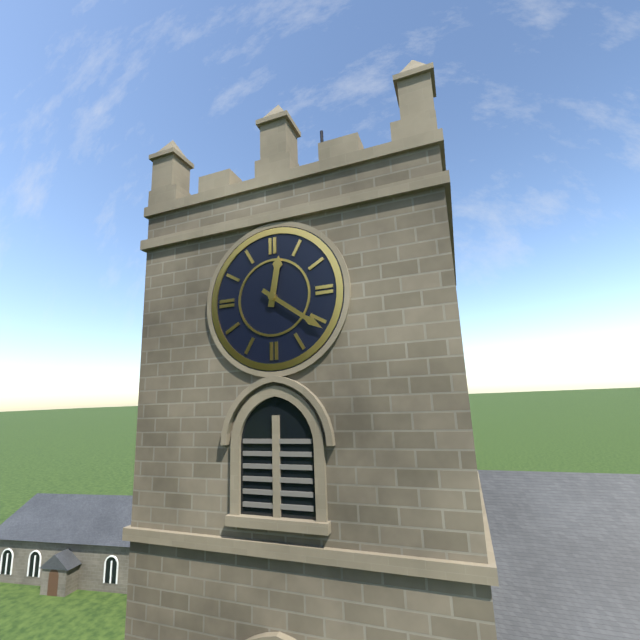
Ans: h=12 m=21
